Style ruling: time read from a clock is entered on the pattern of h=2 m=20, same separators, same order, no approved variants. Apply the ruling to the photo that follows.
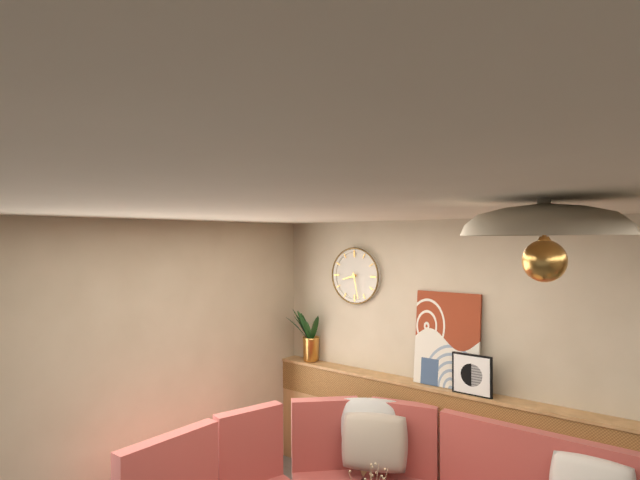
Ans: h=8 m=28
